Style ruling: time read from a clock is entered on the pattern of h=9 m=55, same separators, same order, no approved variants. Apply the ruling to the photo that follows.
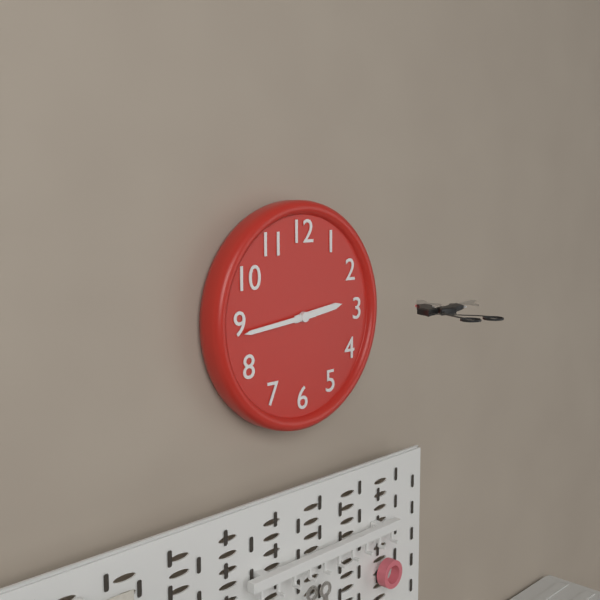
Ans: h=2 m=44
